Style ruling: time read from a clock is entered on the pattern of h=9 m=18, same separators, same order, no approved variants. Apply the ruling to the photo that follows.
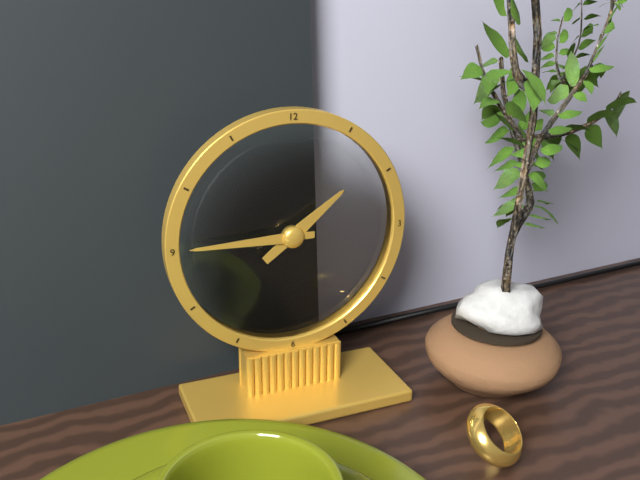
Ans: h=1 m=45
